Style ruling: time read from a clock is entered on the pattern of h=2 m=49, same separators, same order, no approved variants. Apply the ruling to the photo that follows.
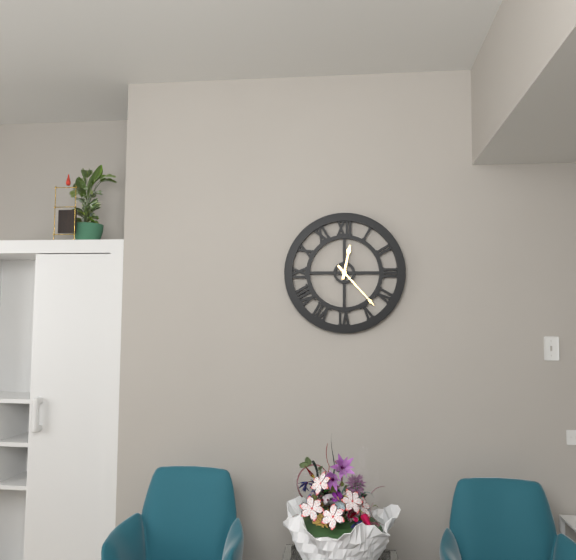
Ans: h=12 m=23
